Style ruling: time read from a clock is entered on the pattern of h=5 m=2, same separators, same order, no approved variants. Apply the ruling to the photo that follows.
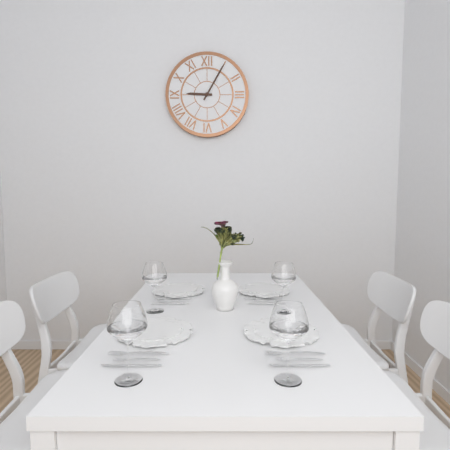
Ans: h=9 m=5
